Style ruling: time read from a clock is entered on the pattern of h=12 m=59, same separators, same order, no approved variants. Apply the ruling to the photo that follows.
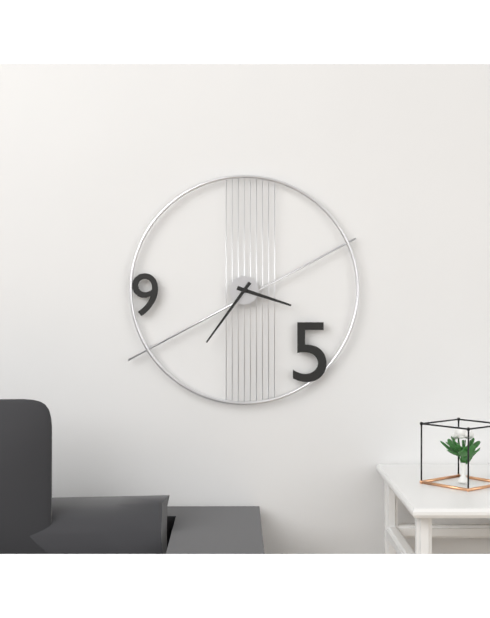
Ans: h=3 m=36
